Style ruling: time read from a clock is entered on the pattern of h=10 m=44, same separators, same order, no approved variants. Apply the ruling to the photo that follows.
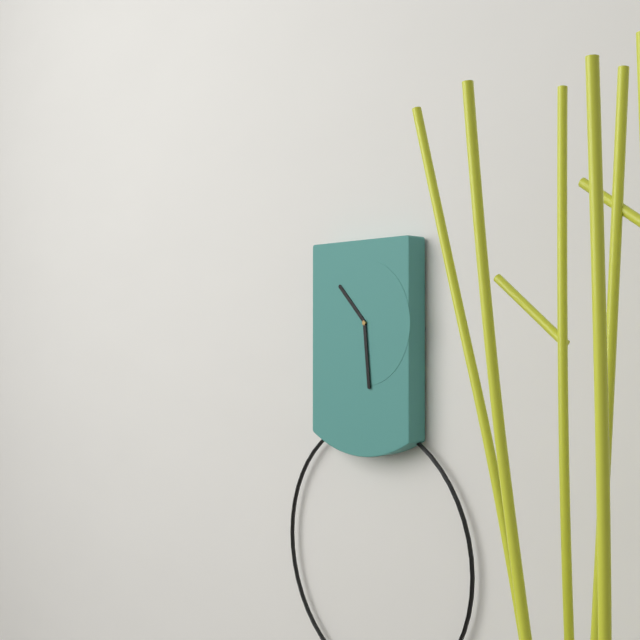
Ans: h=10 m=29
